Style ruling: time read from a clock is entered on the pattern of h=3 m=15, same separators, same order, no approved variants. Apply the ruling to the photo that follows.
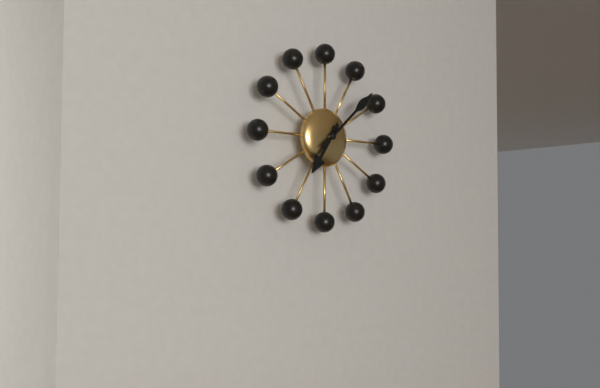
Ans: h=7 m=8
